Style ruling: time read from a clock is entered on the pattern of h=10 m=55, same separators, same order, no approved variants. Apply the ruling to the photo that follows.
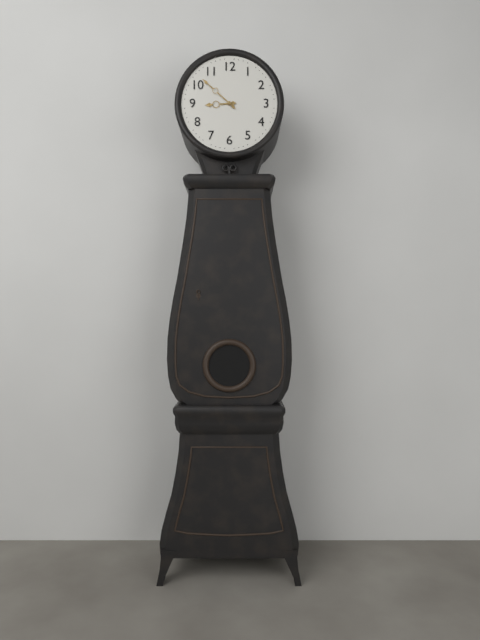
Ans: h=8 m=52
